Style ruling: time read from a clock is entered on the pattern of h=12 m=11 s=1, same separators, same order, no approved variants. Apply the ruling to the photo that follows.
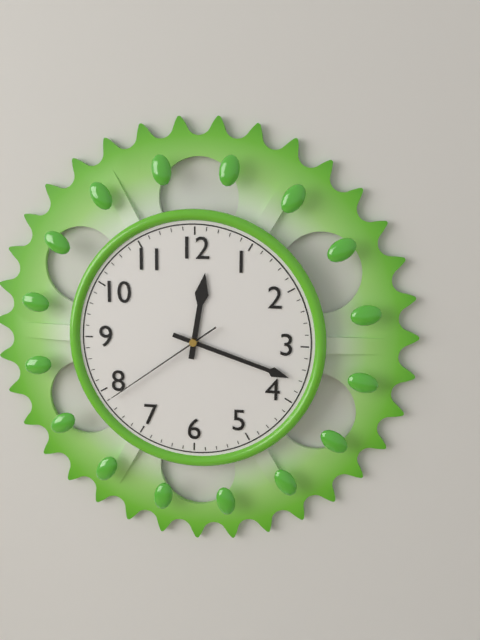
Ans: h=12 m=18 s=39
